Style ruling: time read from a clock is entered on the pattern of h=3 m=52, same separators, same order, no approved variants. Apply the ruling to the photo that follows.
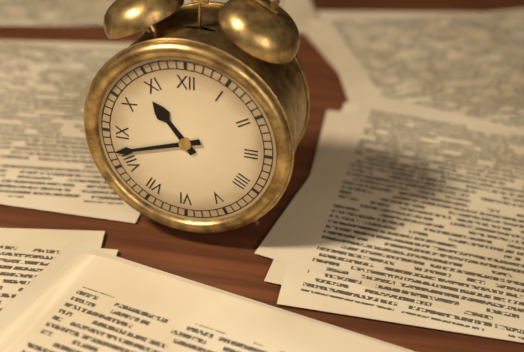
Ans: h=10 m=42
